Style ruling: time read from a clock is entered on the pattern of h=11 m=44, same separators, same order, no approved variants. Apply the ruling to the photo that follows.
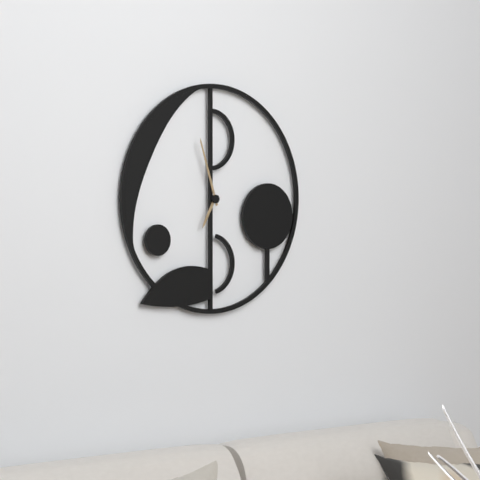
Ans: h=6 m=57
